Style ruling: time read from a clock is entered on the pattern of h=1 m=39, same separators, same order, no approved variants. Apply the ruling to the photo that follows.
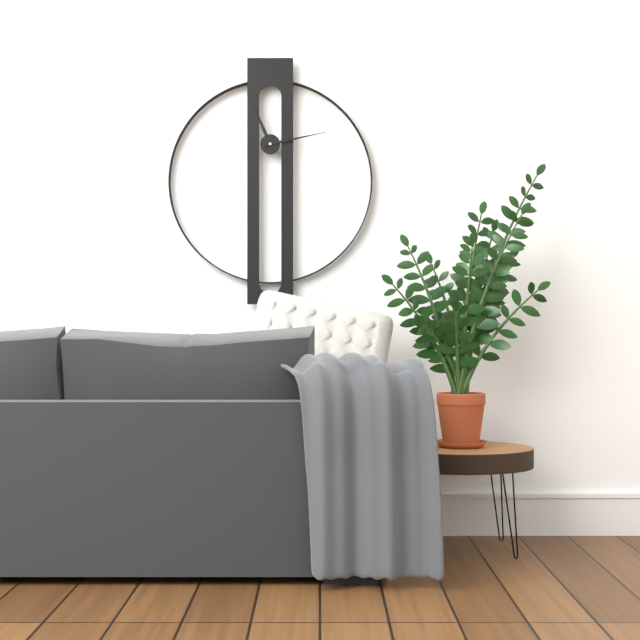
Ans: h=11 m=13
